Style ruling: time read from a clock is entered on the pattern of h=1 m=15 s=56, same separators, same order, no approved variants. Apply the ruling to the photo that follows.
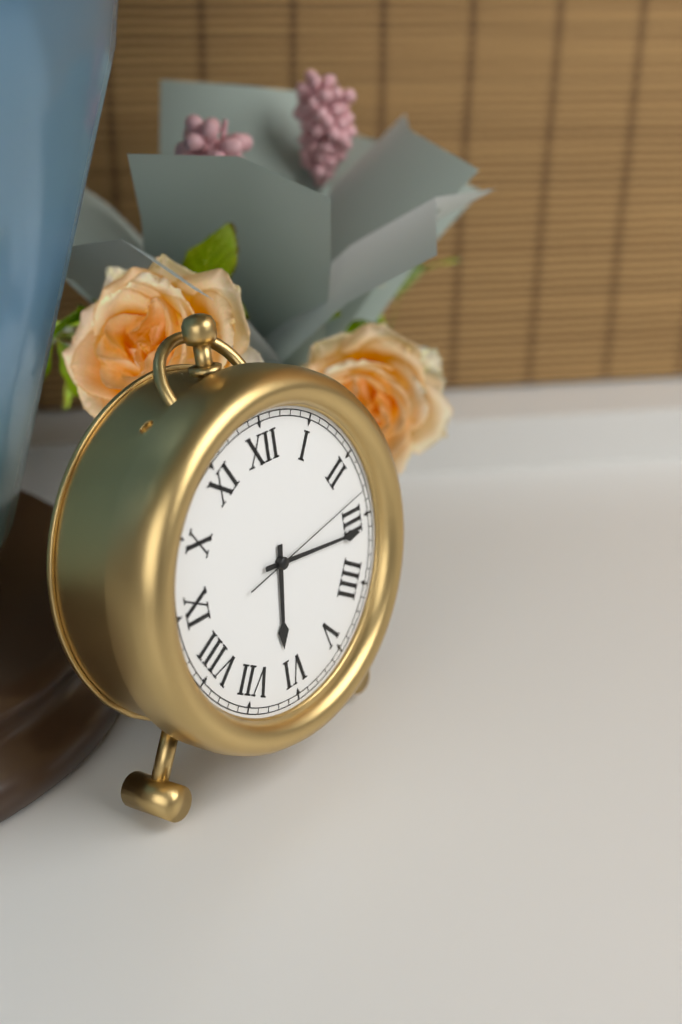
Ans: h=6 m=16 s=13
